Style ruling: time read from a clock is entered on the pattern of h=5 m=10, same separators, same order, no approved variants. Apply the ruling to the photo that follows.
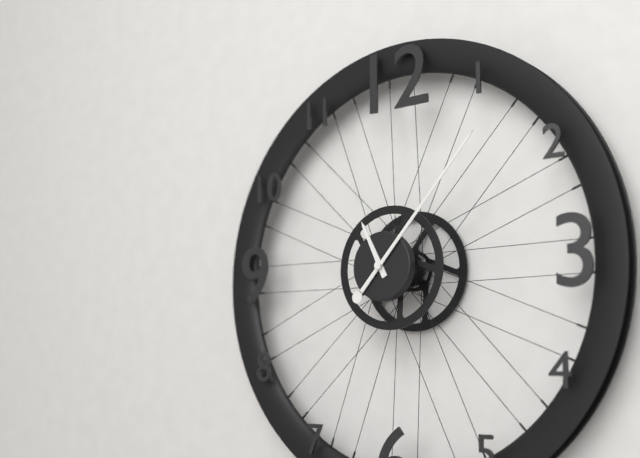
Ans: h=11 m=7
